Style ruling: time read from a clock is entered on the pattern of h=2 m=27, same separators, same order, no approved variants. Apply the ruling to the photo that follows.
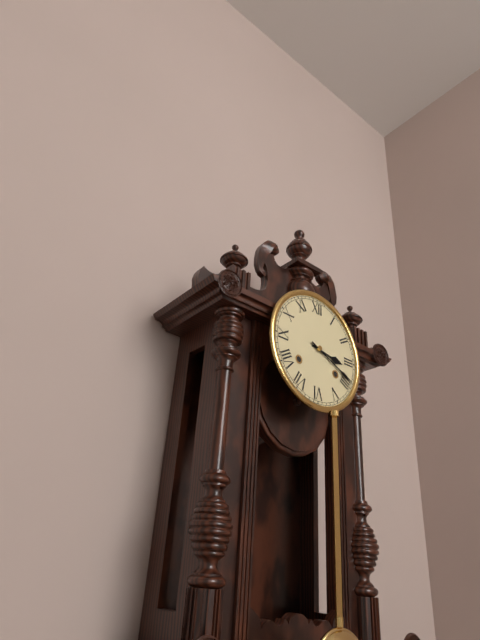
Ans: h=3 m=19
